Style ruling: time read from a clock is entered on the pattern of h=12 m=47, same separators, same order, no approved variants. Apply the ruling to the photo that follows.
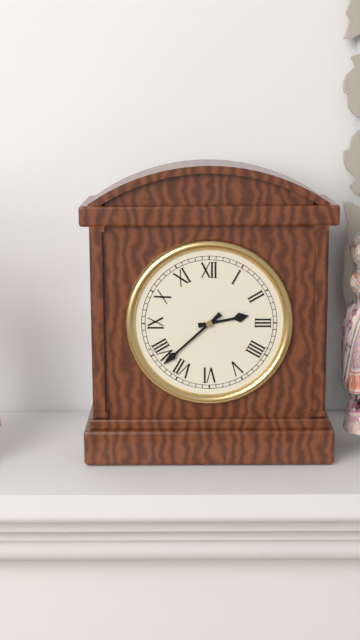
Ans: h=2 m=38
